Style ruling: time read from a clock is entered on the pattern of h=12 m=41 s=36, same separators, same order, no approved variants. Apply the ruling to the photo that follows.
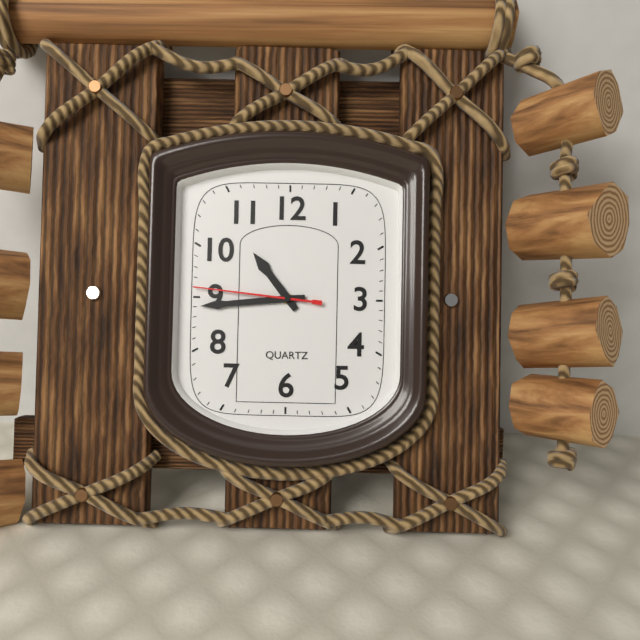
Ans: h=10 m=44 s=46
